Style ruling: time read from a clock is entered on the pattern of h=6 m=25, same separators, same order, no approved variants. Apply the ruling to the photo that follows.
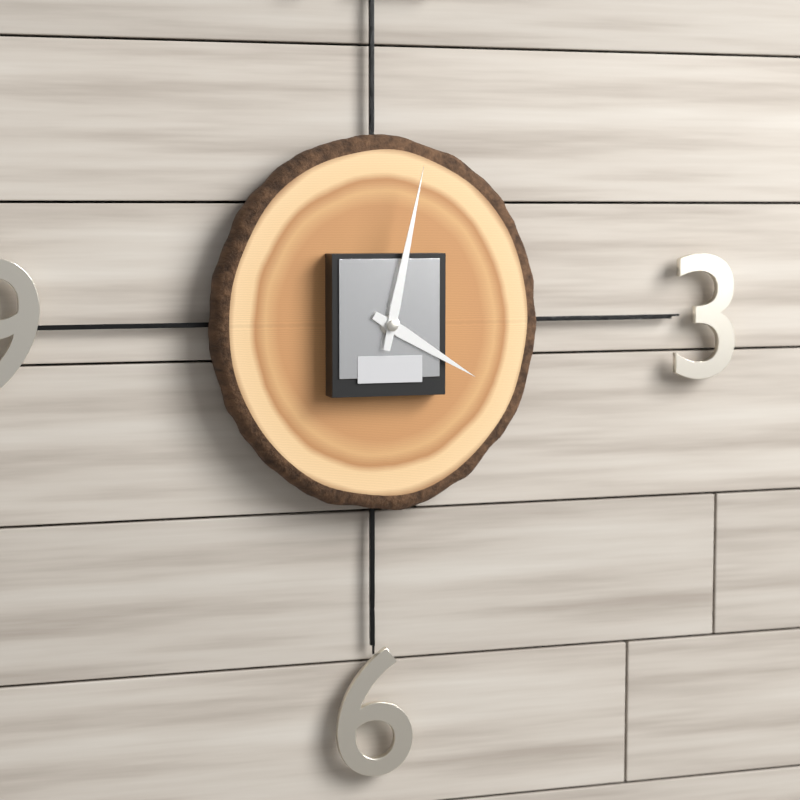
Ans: h=4 m=2
